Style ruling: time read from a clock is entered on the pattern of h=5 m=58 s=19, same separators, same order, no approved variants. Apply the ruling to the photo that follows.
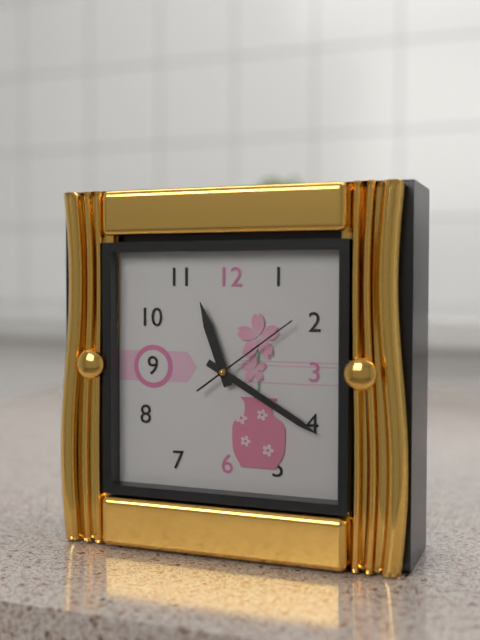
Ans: h=11 m=20 s=9
